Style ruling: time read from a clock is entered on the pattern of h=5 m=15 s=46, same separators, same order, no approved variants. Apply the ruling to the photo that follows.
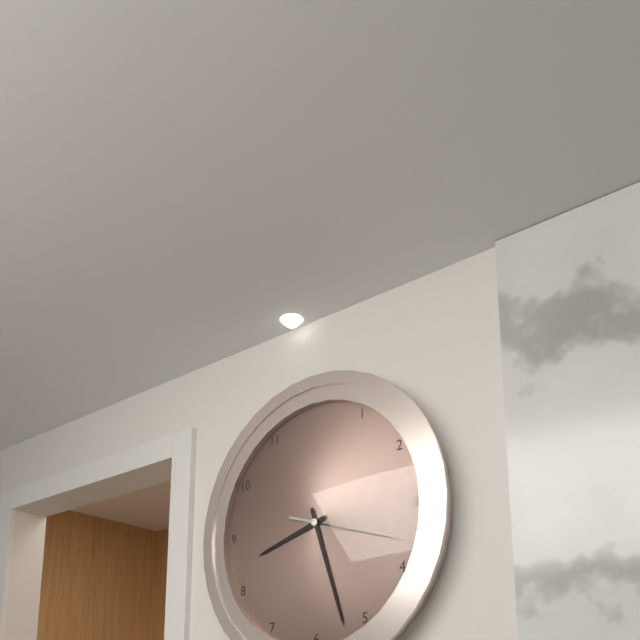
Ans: h=8 m=27 s=18
